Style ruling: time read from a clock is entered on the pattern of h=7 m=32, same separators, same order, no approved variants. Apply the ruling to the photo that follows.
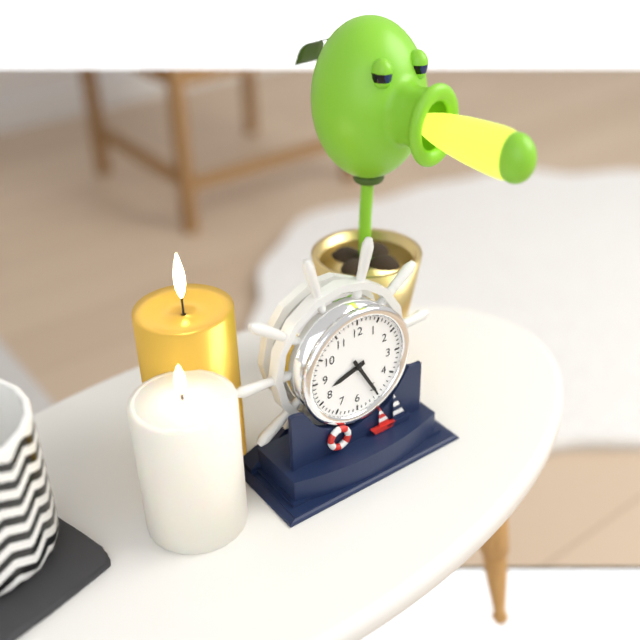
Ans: h=8 m=25
